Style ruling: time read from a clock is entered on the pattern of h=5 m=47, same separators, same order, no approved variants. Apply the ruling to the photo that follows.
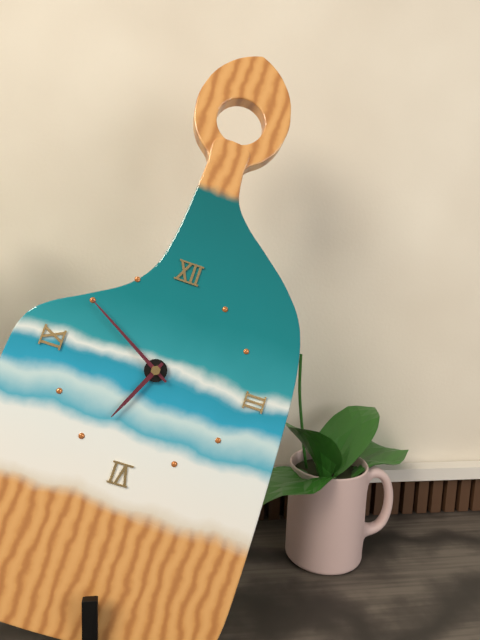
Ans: h=6 m=50
